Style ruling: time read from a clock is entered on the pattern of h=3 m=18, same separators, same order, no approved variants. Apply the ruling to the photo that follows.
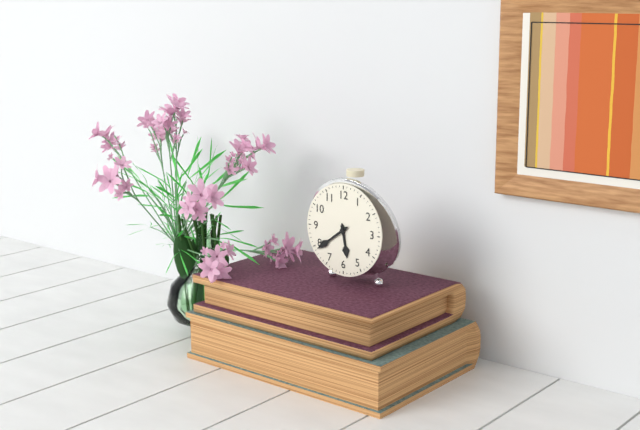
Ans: h=5 m=39
